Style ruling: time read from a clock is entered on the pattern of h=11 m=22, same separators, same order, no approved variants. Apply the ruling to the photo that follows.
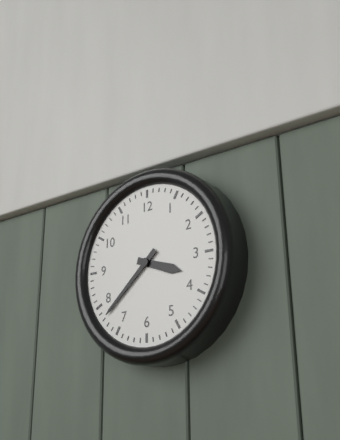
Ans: h=3 m=38
